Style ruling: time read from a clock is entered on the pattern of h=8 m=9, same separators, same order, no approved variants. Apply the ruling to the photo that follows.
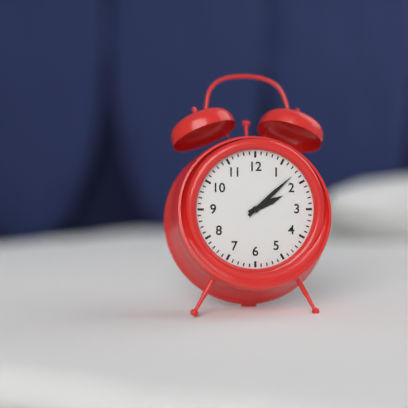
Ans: h=2 m=8
